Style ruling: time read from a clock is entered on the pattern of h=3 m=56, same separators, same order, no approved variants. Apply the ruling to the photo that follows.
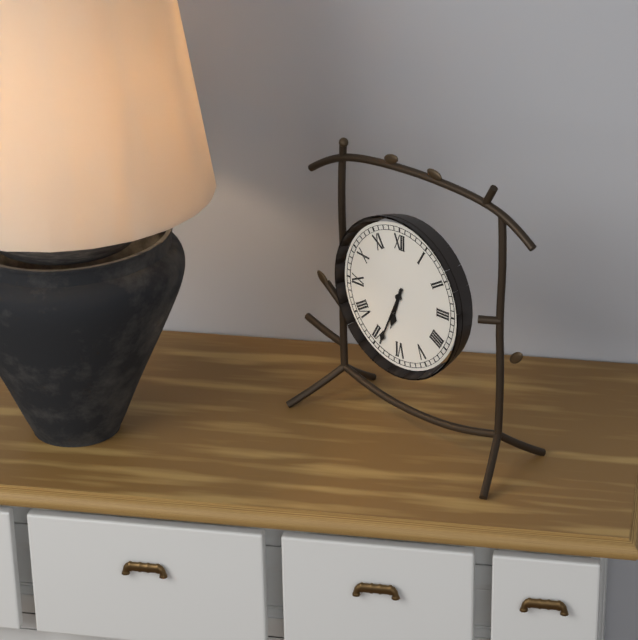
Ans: h=6 m=34
